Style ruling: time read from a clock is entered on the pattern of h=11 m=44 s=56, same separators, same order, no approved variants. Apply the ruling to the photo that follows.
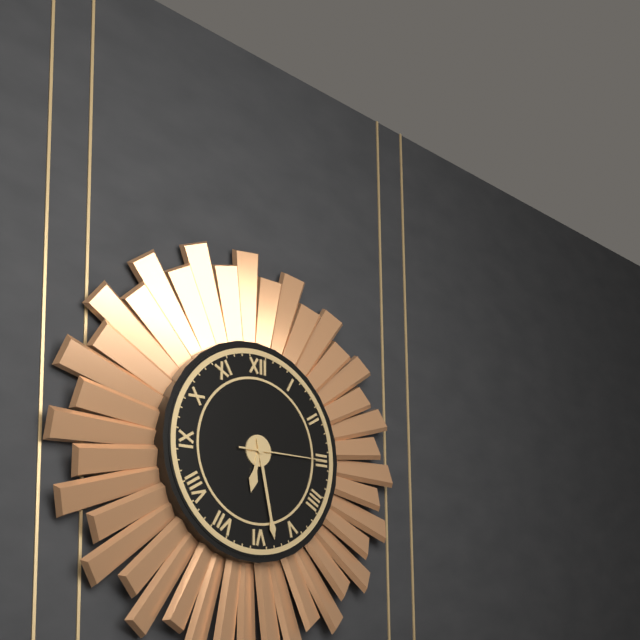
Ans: h=6 m=28 s=15
